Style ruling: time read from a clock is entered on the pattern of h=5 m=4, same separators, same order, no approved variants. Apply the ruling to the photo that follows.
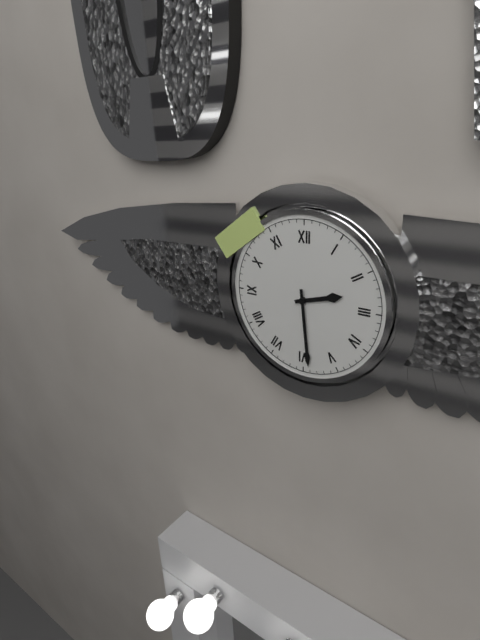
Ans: h=2 m=29
